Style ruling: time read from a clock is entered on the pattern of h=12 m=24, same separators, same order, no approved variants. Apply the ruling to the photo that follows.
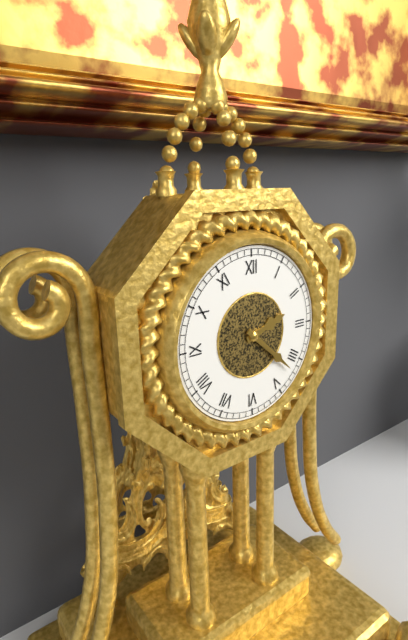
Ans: h=2 m=22
